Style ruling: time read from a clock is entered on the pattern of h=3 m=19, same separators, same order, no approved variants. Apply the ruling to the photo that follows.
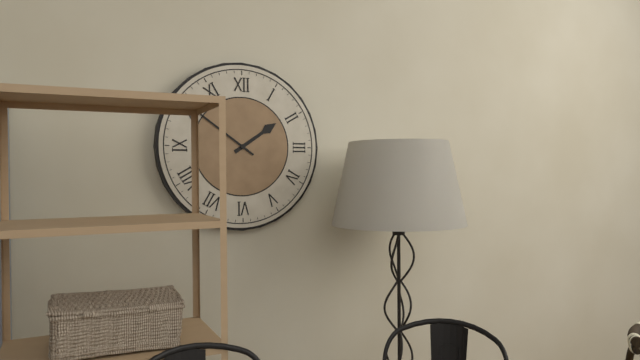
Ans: h=1 m=51
